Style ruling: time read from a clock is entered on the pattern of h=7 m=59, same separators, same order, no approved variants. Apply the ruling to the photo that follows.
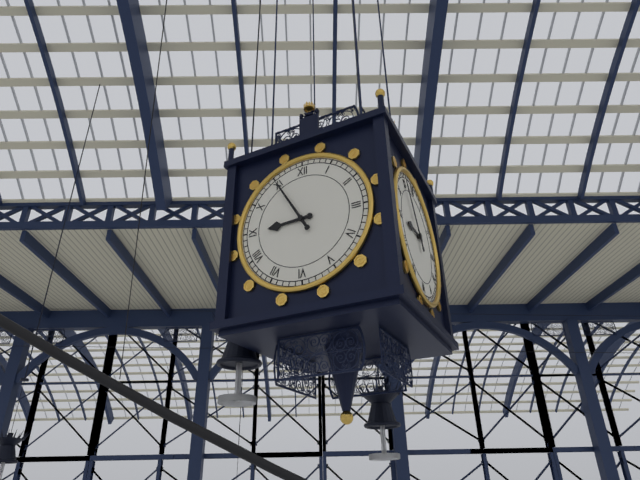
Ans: h=8 m=55
